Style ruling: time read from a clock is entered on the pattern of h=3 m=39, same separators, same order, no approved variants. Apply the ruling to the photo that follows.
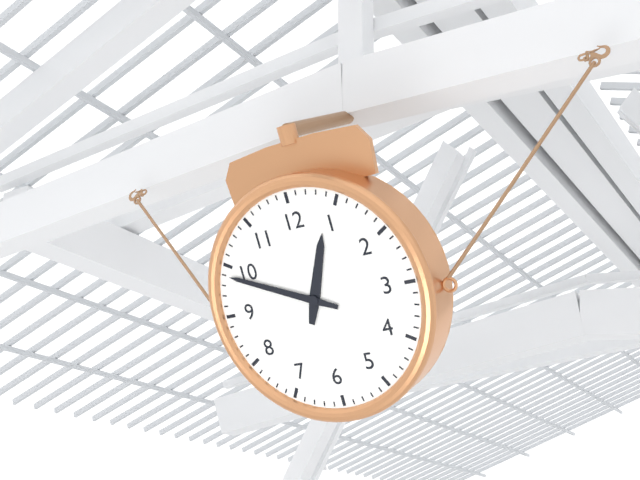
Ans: h=12 m=49
